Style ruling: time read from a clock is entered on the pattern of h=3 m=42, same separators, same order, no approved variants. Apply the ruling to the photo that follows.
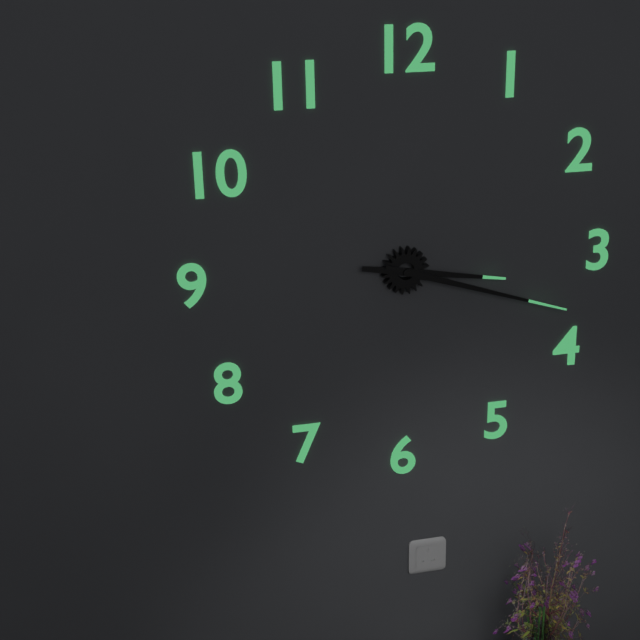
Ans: h=3 m=18
